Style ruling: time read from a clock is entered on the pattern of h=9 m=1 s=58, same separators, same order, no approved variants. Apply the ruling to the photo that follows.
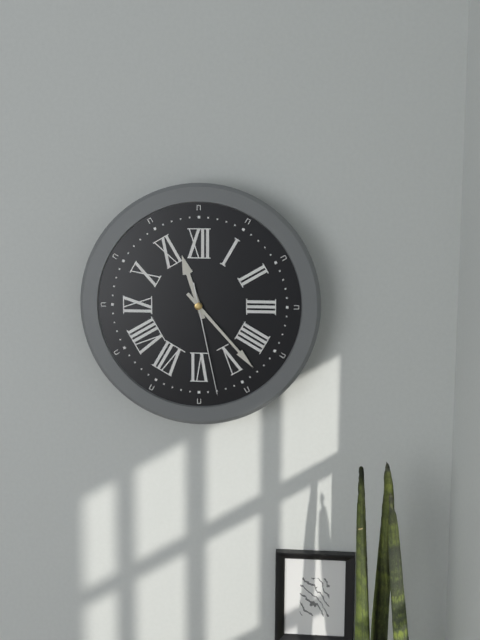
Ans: h=11 m=23 s=28
